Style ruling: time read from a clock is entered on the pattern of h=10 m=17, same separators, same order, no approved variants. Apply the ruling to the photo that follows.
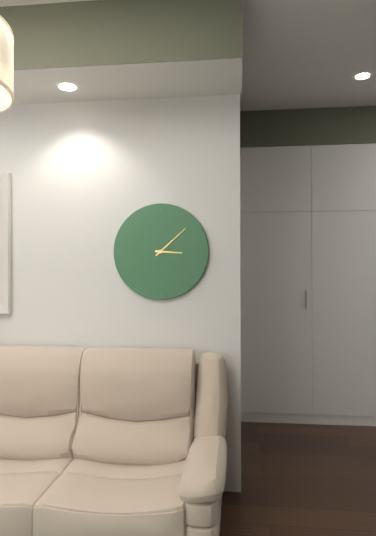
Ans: h=3 m=8
